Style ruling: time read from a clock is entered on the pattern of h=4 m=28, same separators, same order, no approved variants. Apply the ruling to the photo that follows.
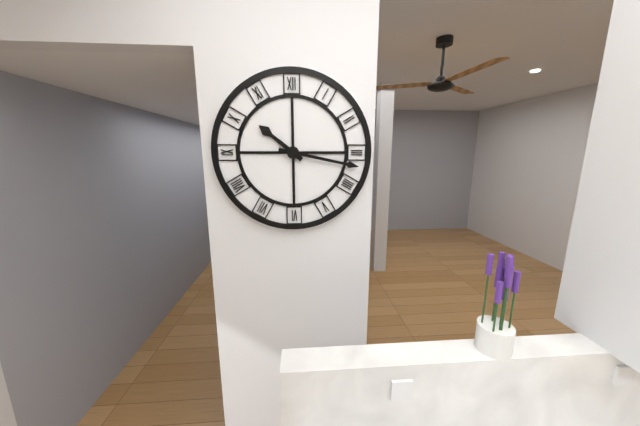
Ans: h=10 m=17
